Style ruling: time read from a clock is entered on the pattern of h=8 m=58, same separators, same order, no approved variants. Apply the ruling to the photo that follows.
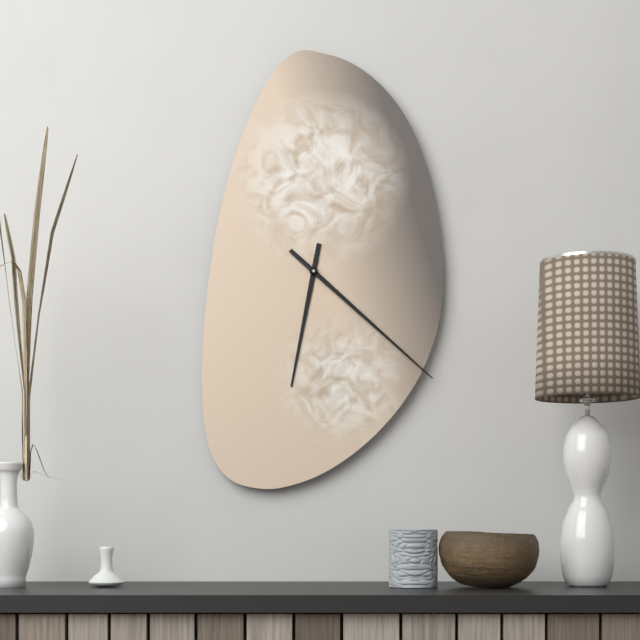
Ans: h=6 m=22
